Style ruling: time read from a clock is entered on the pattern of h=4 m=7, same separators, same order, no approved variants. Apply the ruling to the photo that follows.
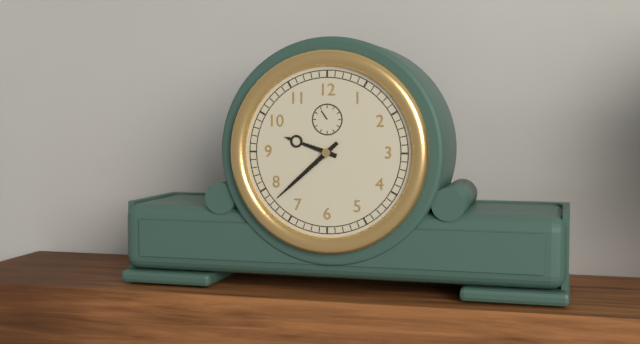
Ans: h=9 m=38
